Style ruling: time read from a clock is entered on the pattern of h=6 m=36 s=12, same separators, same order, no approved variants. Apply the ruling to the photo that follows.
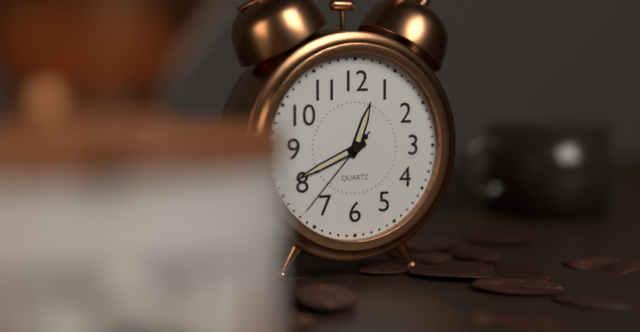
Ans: h=12 m=41 s=37
